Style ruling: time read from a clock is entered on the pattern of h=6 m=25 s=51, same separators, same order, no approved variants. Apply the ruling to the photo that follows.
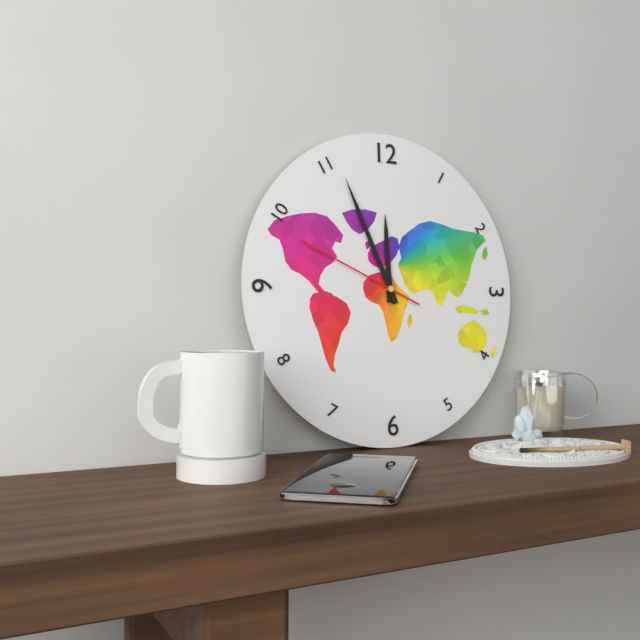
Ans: h=11 m=56 s=49
